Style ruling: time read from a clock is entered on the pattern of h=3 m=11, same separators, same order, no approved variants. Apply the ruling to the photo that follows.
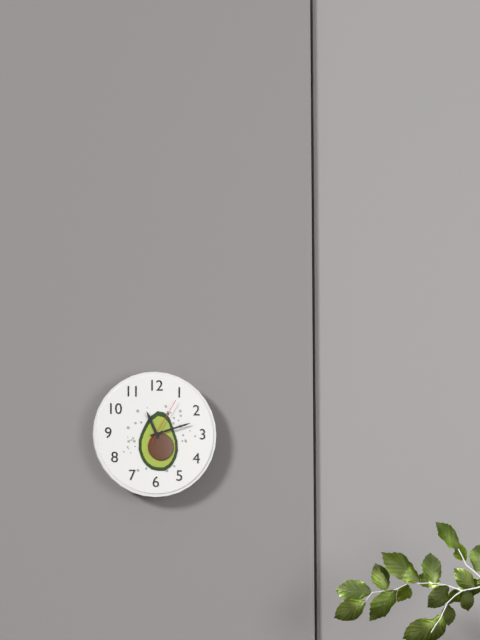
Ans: h=11 m=12
